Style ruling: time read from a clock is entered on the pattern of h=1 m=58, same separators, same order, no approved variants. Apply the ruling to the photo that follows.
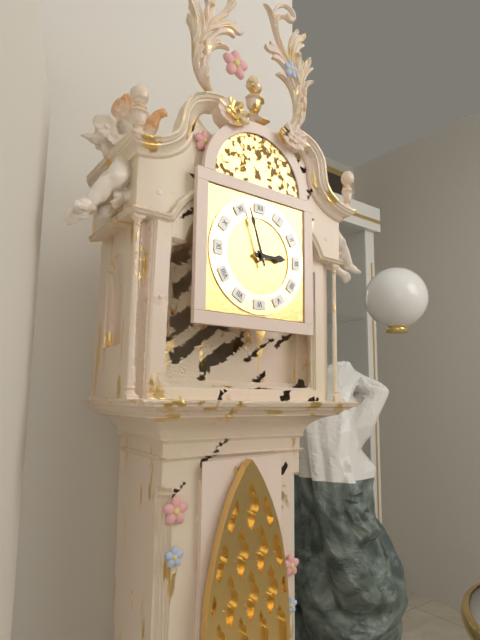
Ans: h=2 m=57
